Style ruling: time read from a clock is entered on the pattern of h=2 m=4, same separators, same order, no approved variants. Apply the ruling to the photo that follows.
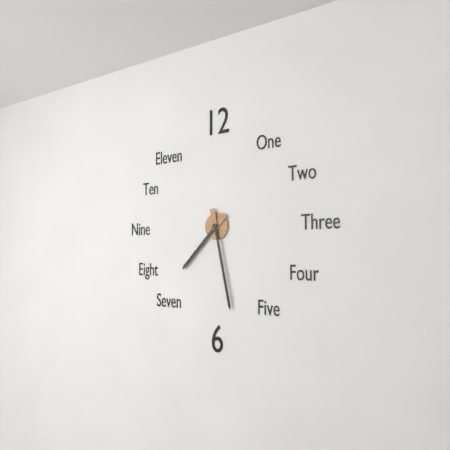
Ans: h=7 m=28
